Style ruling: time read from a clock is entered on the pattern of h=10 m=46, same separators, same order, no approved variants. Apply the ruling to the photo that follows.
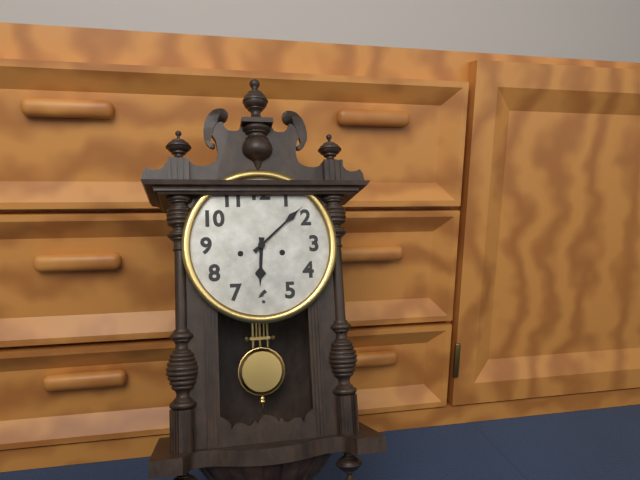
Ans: h=6 m=8
